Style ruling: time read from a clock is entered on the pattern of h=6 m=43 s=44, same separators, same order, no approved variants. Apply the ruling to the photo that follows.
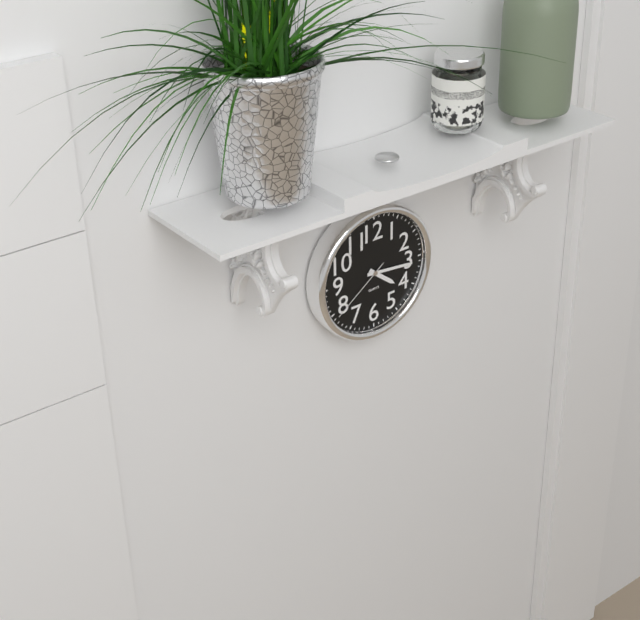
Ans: h=4 m=16 s=39
